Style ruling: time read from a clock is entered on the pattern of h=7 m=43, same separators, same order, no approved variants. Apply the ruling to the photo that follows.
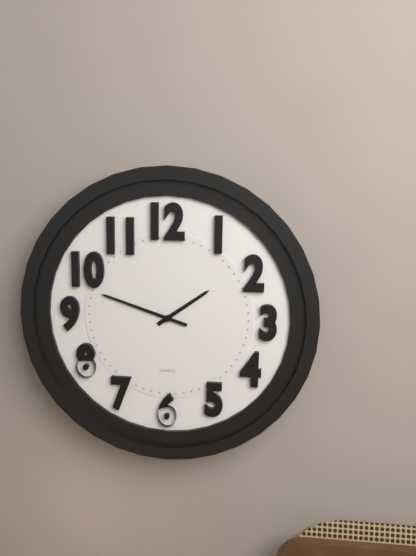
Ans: h=1 m=48
